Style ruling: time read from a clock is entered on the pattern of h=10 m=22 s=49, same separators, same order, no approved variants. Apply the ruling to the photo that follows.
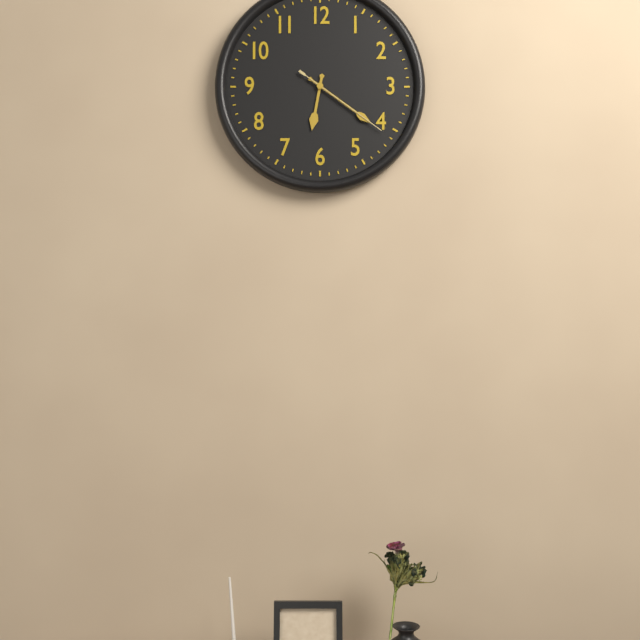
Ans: h=6 m=21 s=21
